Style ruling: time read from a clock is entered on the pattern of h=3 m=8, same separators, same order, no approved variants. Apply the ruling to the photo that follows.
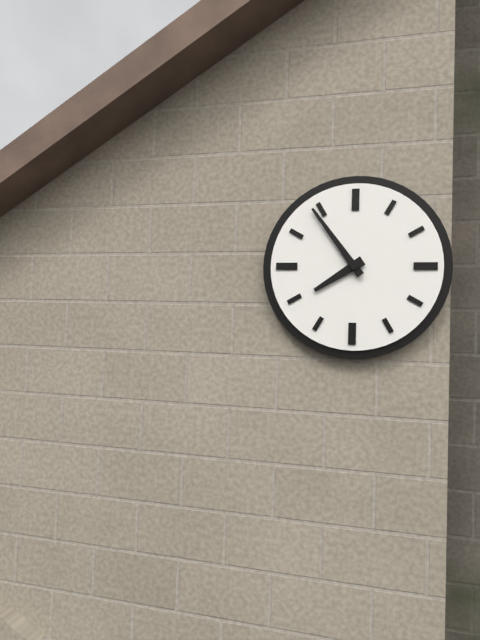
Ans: h=7 m=54
